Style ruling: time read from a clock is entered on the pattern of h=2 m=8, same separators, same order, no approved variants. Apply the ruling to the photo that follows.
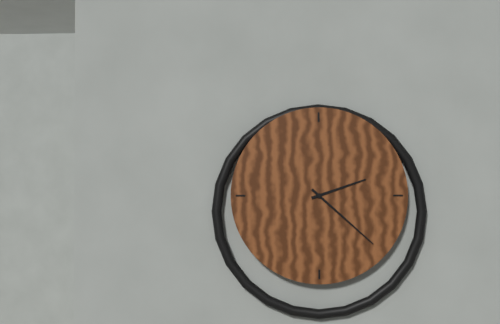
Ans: h=2 m=22
